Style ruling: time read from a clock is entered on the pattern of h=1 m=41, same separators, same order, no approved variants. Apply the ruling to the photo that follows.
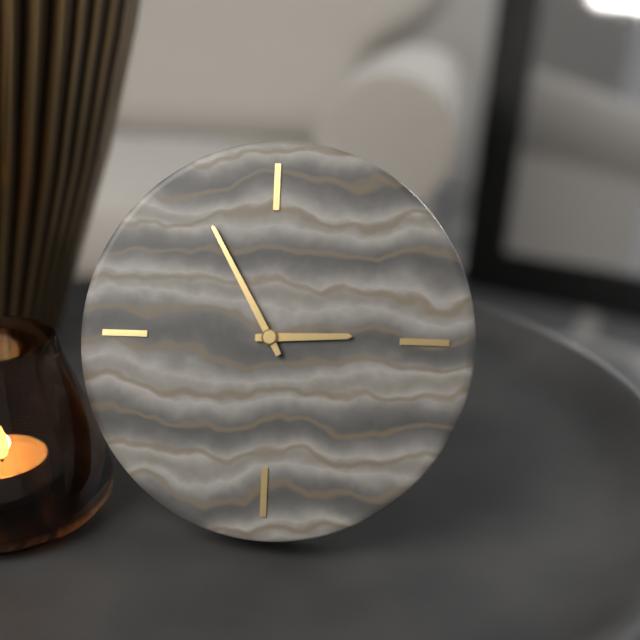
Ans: h=2 m=55
